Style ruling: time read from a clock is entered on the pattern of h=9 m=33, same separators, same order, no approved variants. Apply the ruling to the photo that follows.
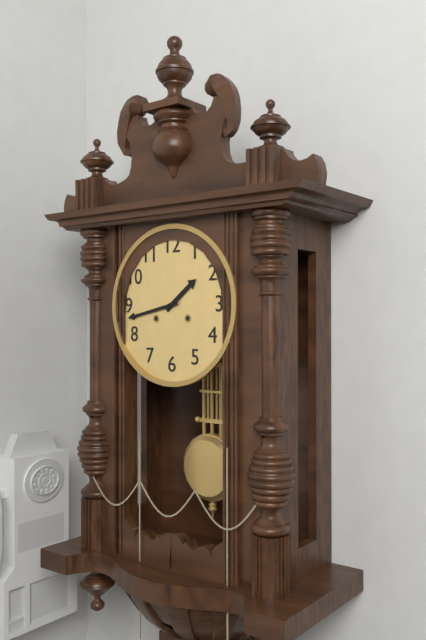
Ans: h=1 m=43
